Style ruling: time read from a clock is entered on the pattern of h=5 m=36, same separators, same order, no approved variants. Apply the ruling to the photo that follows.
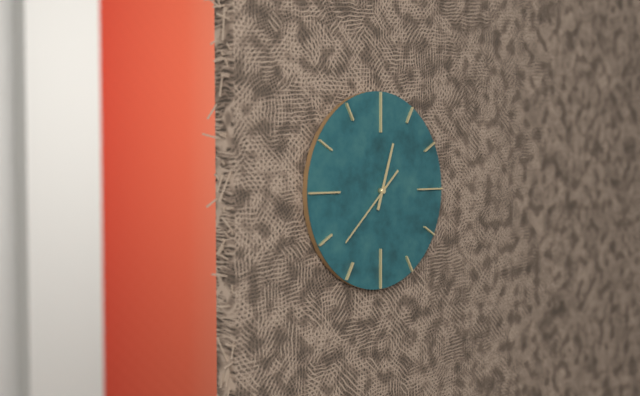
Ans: h=12 m=38
